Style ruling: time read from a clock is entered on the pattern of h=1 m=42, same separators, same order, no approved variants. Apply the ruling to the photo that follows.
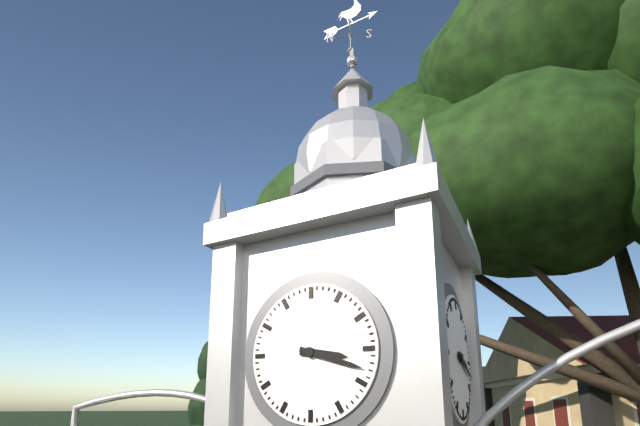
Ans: h=3 m=18
